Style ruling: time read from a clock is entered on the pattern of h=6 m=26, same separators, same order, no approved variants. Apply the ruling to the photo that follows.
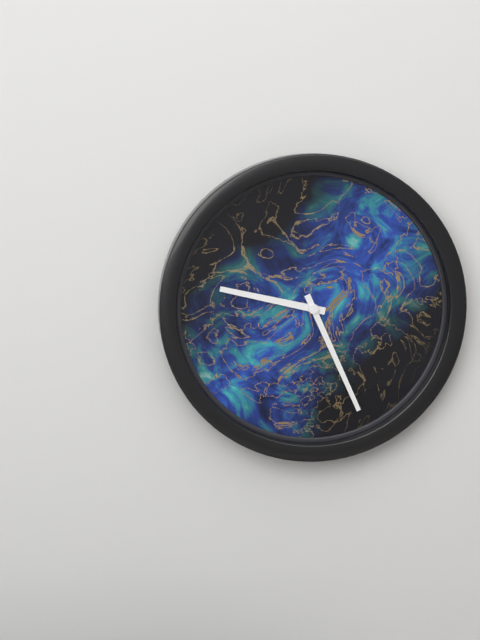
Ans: h=9 m=26
